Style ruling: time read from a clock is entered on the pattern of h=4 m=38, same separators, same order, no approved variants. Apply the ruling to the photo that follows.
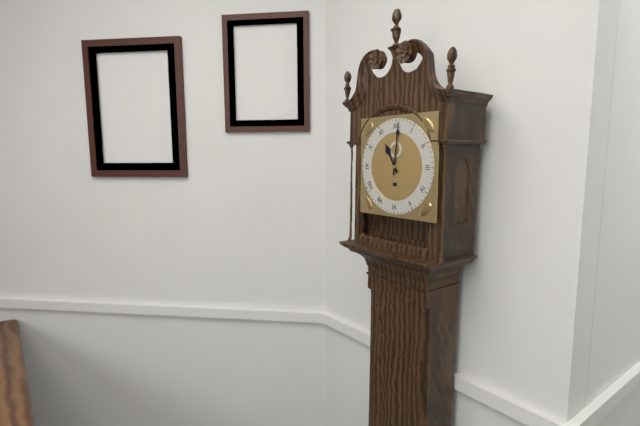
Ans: h=11 m=1
